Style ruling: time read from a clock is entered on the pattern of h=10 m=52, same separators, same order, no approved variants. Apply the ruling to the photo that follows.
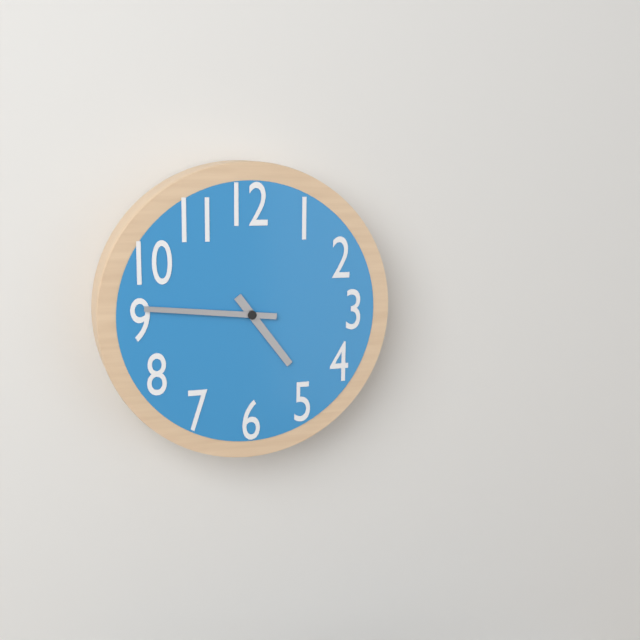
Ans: h=4 m=46
